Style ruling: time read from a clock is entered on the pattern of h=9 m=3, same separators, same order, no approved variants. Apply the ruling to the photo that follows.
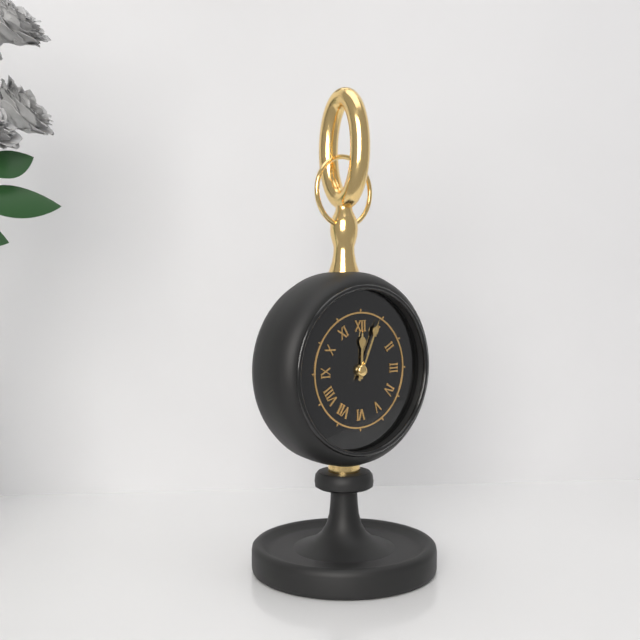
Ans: h=12 m=4
